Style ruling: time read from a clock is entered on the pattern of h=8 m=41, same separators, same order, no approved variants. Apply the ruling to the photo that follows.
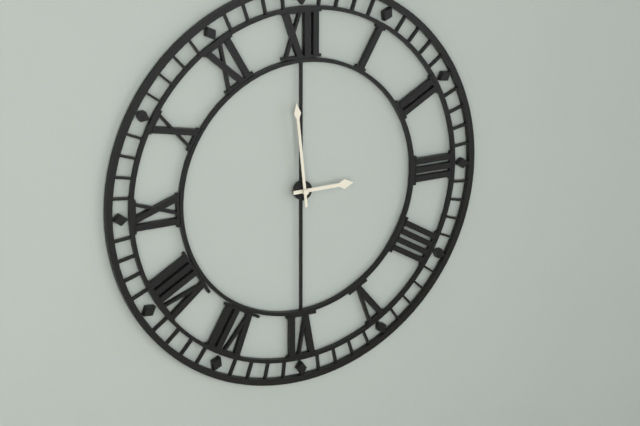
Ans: h=2 m=59
